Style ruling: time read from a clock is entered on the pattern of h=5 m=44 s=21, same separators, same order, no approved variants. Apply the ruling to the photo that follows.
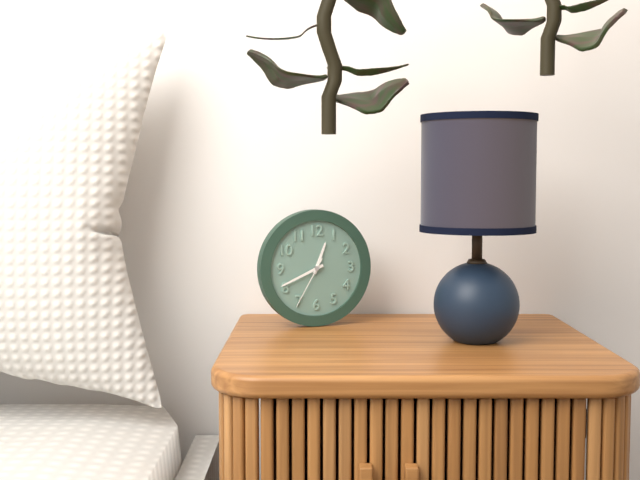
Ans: h=12 m=41 s=35
